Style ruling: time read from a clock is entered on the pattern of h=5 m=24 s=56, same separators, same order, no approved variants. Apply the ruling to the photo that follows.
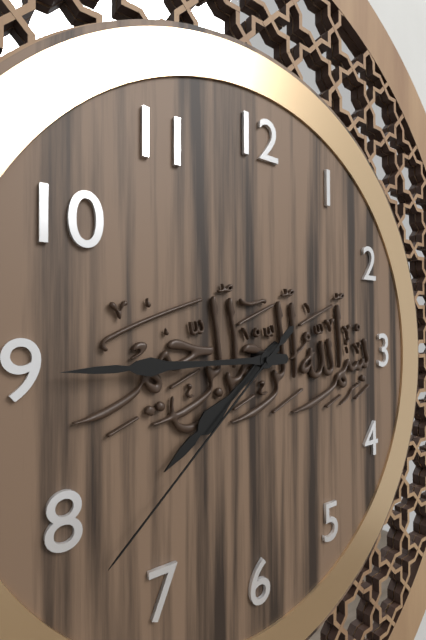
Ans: h=7 m=45 s=38
